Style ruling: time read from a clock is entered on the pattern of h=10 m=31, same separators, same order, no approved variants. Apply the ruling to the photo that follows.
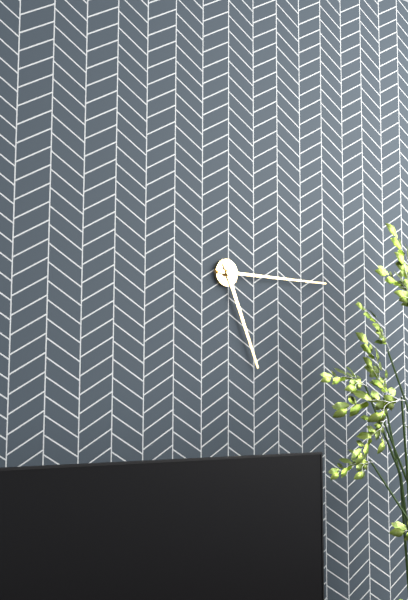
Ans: h=5 m=15
